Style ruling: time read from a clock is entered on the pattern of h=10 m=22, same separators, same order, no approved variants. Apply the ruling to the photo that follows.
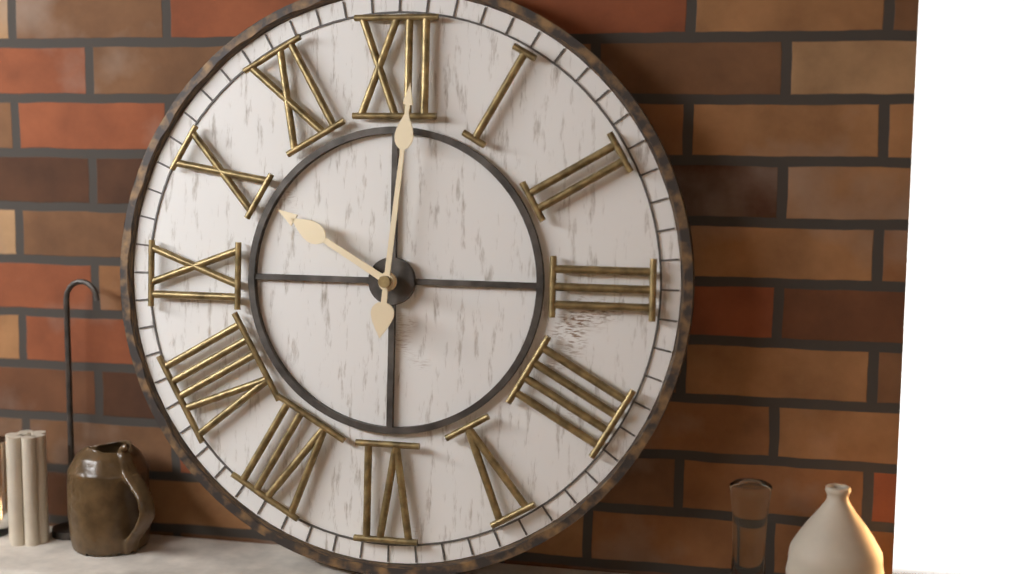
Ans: h=10 m=1
